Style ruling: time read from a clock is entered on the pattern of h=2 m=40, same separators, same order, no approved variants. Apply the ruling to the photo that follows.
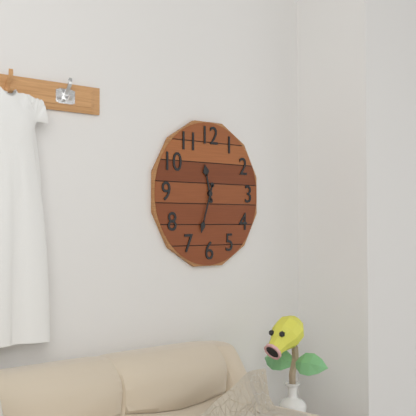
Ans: h=11 m=33
